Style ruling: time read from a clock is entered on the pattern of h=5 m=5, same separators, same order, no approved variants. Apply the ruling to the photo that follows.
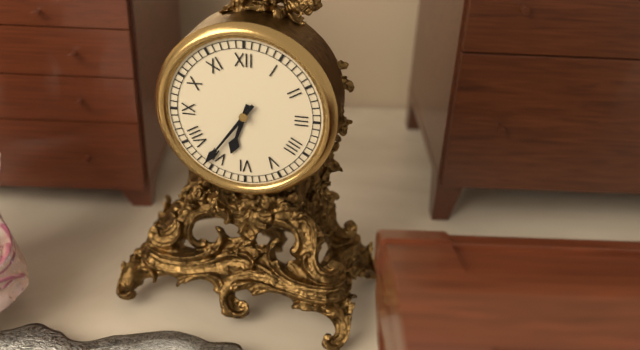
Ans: h=6 m=36
